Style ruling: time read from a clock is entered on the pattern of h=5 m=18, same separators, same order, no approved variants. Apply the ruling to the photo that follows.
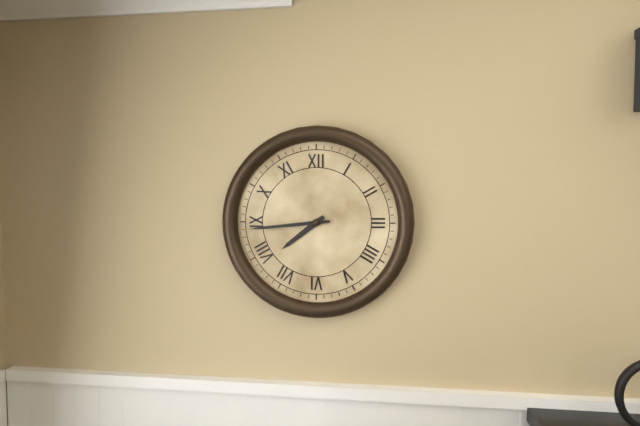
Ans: h=7 m=44
